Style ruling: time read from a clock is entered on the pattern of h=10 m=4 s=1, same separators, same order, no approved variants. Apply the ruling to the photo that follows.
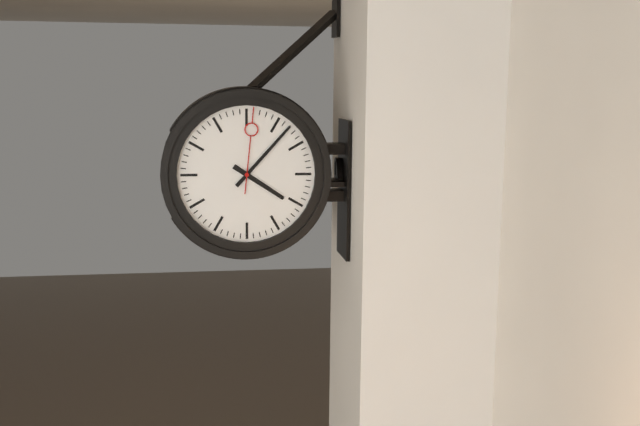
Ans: h=4 m=7 s=1
